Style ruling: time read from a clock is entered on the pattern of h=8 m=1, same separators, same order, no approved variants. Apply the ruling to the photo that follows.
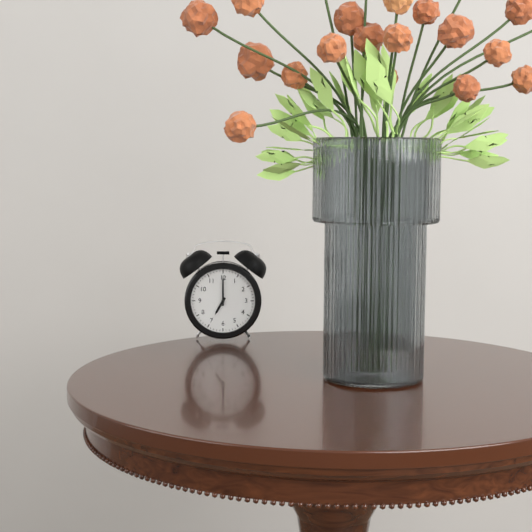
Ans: h=7 m=0
